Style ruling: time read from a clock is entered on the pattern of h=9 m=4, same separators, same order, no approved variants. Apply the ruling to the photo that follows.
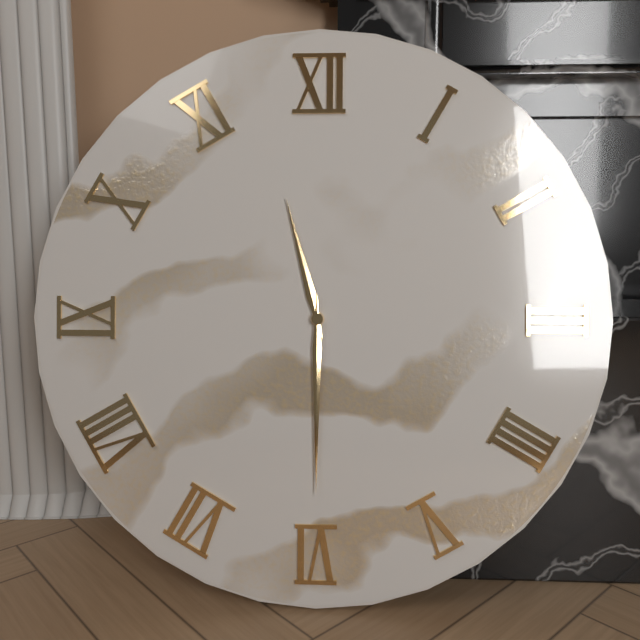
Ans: h=11 m=30
